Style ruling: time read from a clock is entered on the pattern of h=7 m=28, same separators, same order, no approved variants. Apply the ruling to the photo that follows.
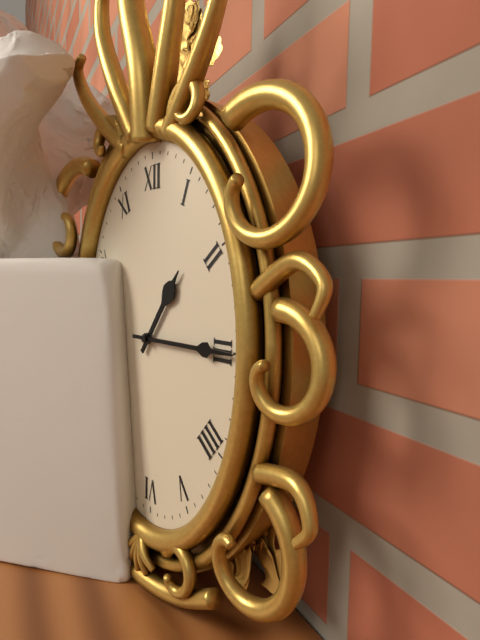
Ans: h=1 m=15
